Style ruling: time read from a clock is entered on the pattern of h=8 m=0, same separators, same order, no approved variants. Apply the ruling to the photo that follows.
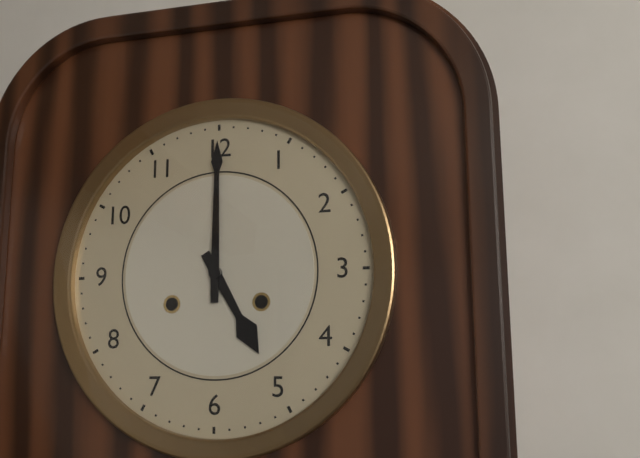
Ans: h=5 m=0
